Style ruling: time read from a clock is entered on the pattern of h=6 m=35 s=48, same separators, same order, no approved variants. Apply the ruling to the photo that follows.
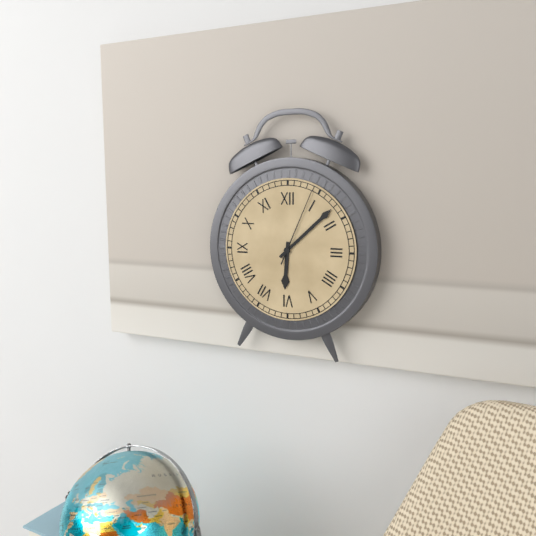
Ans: h=6 m=8 s=4
